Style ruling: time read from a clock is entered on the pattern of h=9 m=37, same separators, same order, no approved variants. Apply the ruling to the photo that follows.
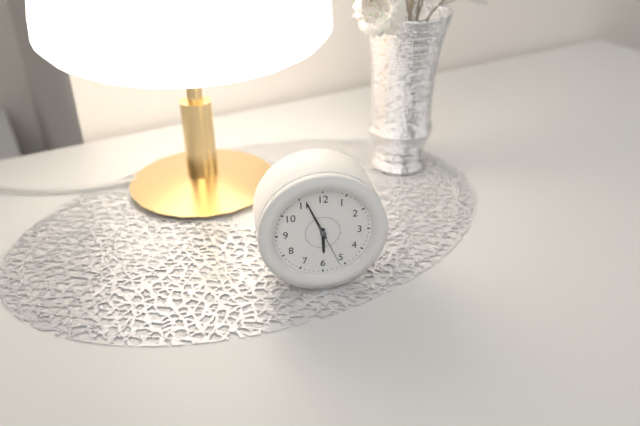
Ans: h=5 m=56
